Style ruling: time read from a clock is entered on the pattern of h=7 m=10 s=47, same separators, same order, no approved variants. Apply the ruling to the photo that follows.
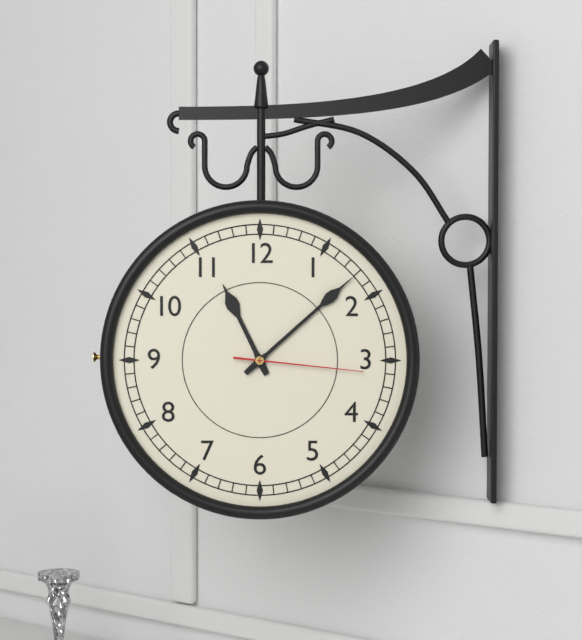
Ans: h=11 m=8 s=16
